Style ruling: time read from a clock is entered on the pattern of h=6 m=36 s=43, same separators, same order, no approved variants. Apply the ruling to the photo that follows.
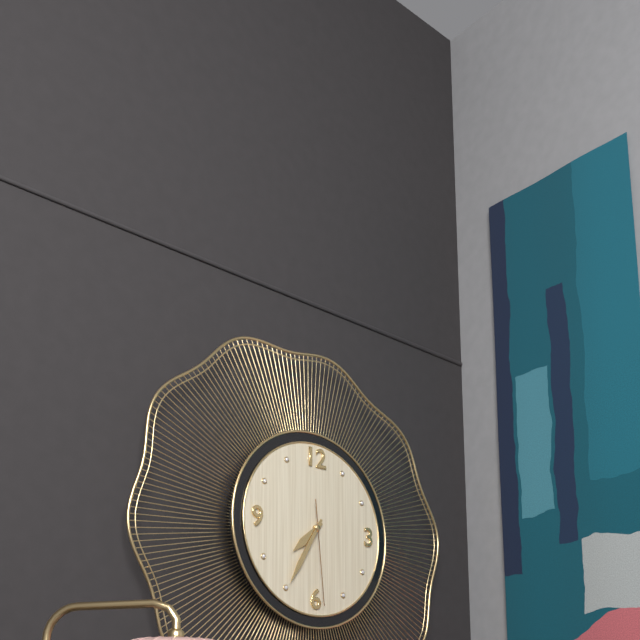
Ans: h=7 m=35 s=29
